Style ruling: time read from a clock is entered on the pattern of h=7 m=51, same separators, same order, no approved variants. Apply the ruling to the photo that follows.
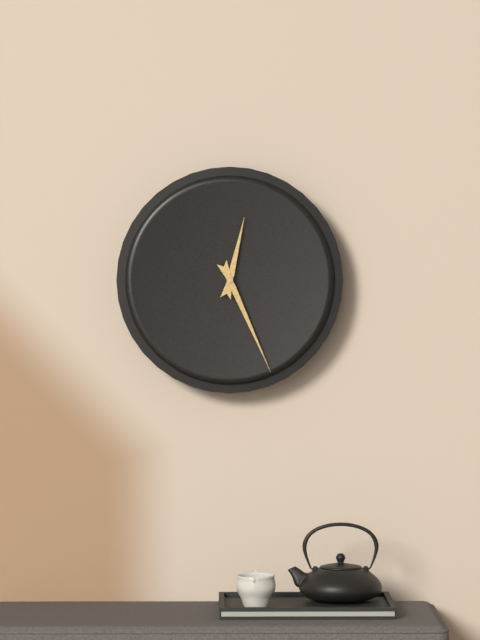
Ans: h=12 m=26
